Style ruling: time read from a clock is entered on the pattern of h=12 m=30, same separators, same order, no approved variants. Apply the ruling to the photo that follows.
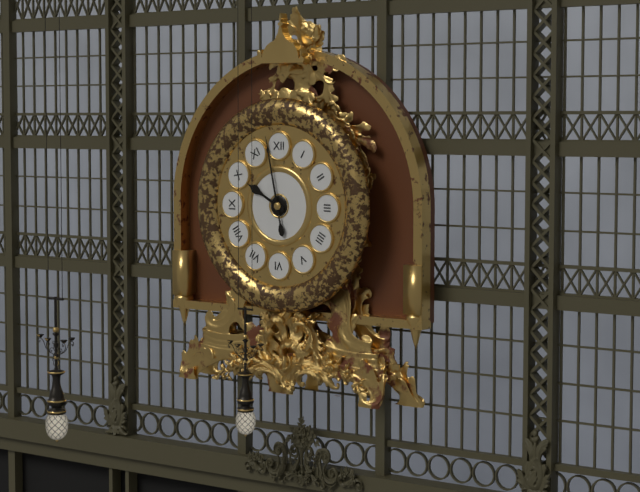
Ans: h=9 m=58
